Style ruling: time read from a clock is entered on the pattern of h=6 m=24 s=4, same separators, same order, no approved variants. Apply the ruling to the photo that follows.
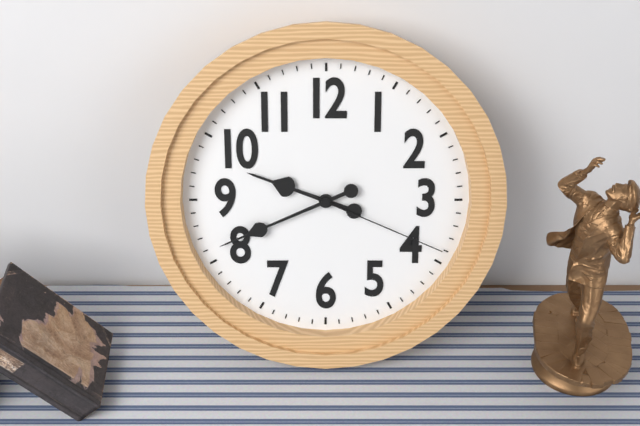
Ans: h=9 m=41 s=19
